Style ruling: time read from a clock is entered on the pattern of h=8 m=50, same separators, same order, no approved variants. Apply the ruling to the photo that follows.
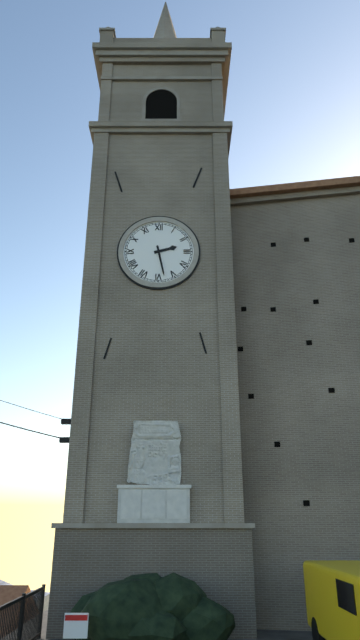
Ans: h=2 m=28
